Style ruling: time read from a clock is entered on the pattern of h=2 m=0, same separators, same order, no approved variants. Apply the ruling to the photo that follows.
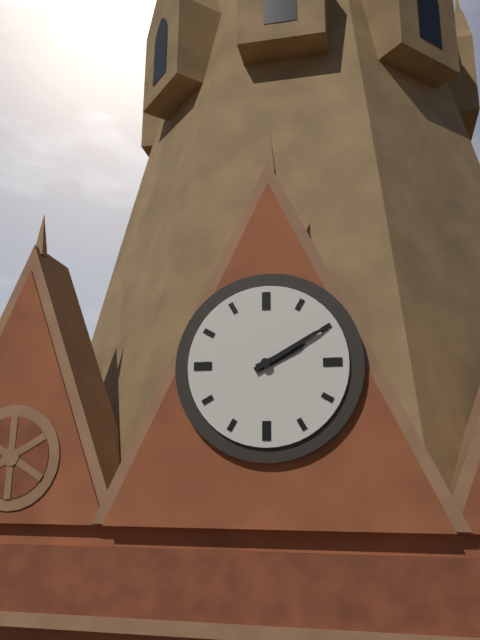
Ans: h=2 m=10
